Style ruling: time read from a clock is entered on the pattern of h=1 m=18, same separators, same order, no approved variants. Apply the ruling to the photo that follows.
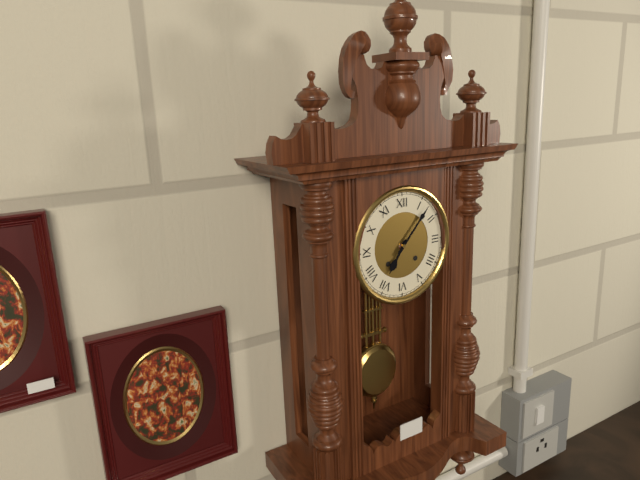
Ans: h=7 m=7
